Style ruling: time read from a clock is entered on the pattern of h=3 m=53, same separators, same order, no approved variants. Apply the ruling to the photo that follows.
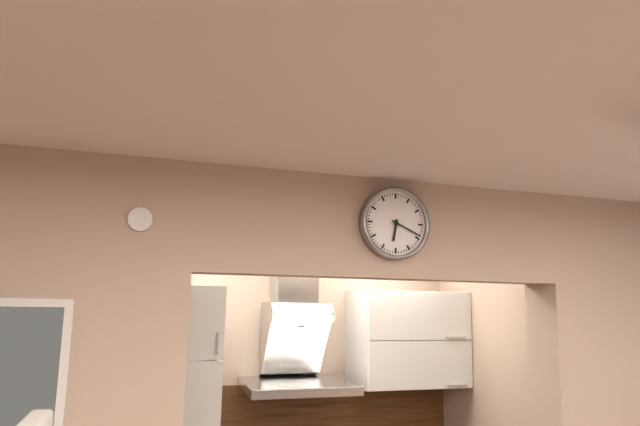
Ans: h=6 m=19
